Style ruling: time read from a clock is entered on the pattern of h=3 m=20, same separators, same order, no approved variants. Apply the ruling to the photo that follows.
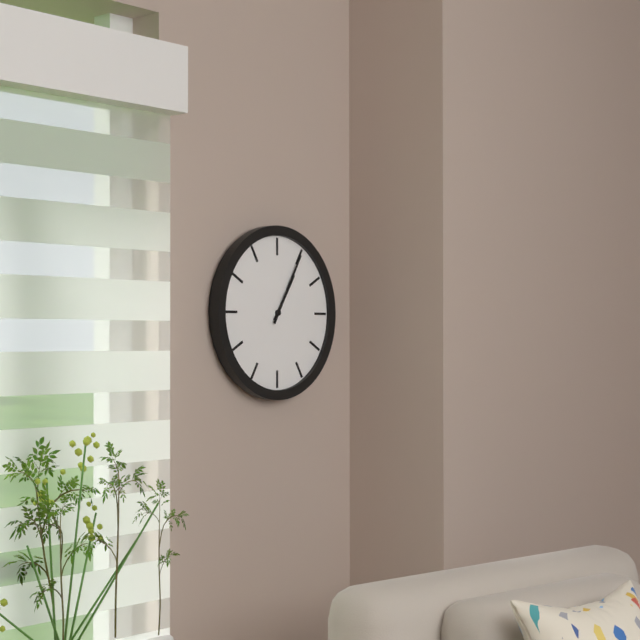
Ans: h=1 m=5
